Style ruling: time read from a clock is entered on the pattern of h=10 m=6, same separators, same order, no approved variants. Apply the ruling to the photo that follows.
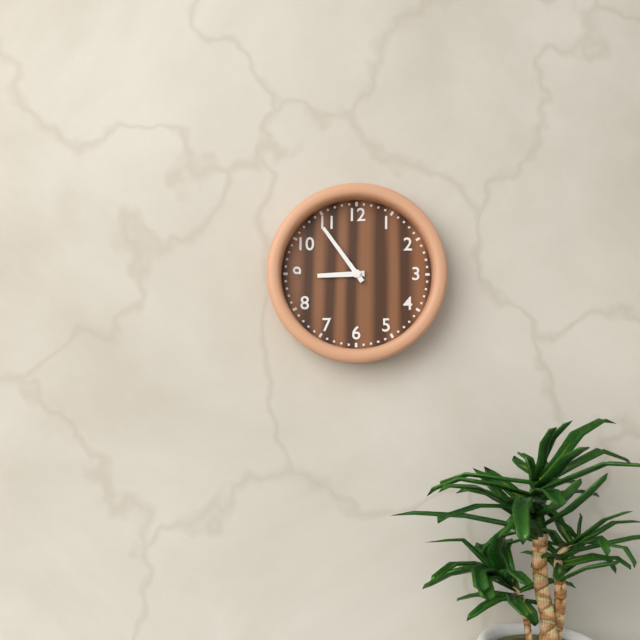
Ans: h=8 m=54
